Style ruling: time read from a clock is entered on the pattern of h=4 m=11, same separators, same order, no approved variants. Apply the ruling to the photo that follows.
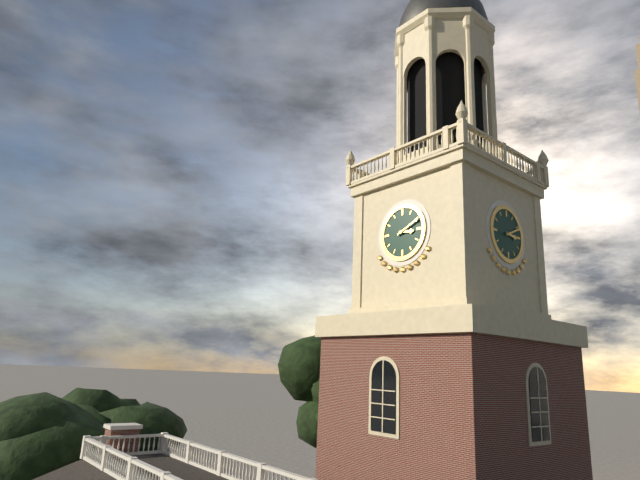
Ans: h=3 m=11
